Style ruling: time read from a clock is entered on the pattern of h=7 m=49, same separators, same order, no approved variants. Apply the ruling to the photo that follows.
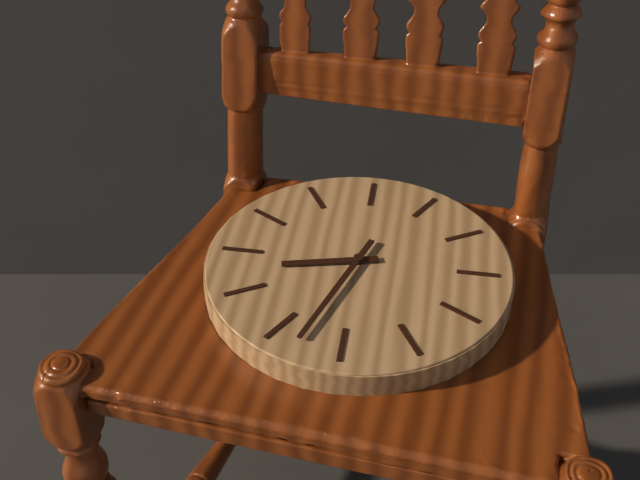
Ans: h=8 m=33
